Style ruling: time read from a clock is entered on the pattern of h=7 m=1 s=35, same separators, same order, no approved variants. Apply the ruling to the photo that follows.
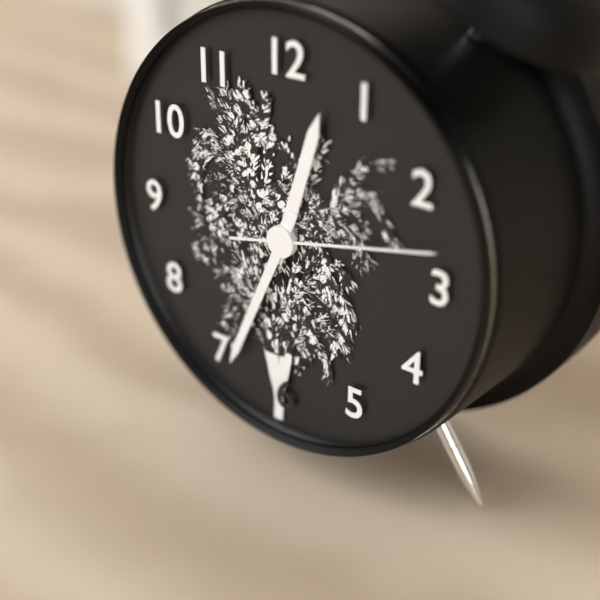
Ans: h=12 m=34 s=13
